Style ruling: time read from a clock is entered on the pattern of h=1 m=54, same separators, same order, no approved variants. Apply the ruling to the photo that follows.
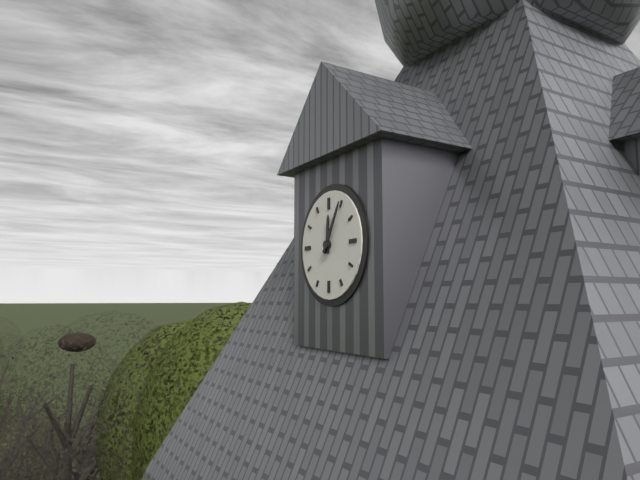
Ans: h=12 m=5
